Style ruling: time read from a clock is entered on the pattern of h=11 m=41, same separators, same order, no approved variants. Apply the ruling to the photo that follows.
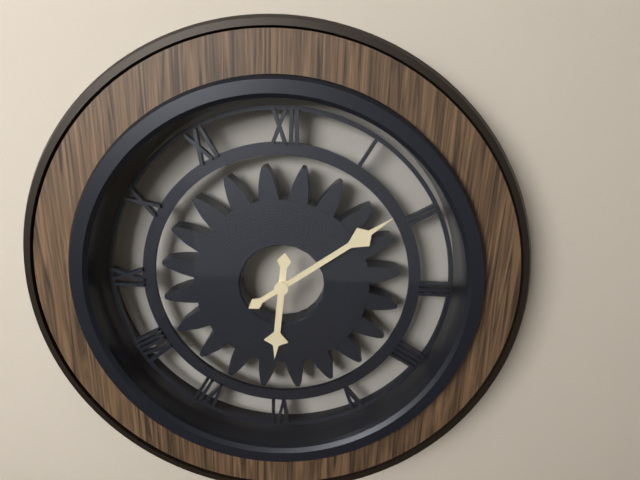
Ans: h=6 m=9
